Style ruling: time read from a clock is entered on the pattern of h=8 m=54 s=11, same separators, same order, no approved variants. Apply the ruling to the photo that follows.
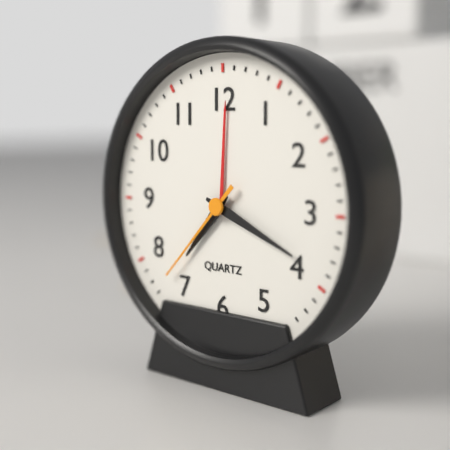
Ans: h=7 m=19 s=37
